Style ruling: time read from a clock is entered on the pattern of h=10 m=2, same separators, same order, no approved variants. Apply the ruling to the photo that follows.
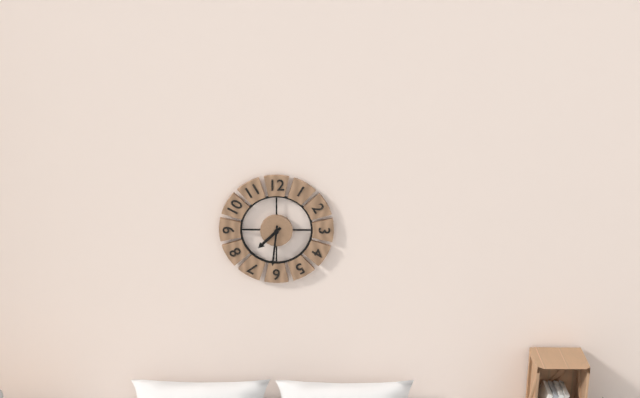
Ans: h=7 m=31
